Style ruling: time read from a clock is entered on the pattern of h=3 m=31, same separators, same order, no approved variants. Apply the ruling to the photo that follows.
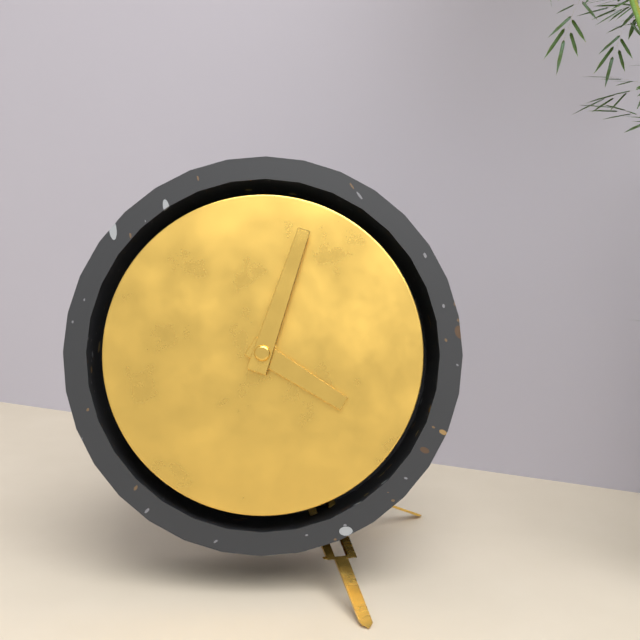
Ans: h=4 m=3
